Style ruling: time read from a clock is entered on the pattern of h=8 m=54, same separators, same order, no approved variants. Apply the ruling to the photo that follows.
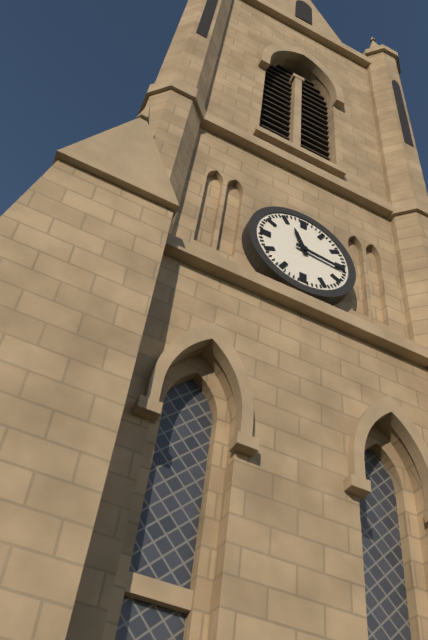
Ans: h=11 m=16
